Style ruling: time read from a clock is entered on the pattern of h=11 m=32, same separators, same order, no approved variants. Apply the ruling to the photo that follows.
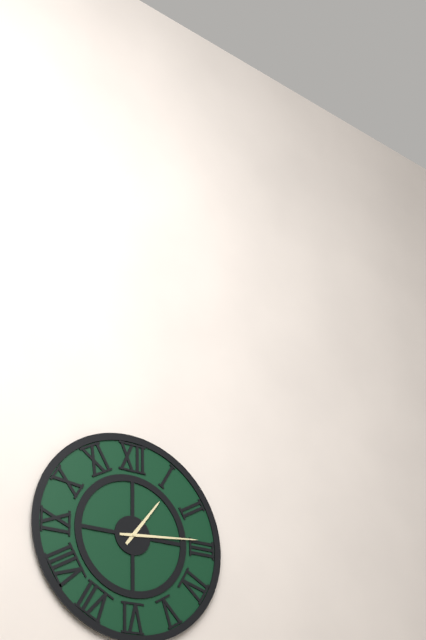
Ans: h=1 m=14
